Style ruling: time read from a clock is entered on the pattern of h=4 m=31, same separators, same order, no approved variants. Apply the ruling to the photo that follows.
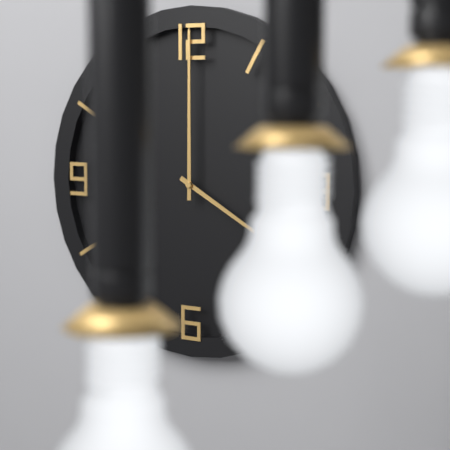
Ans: h=4 m=0
